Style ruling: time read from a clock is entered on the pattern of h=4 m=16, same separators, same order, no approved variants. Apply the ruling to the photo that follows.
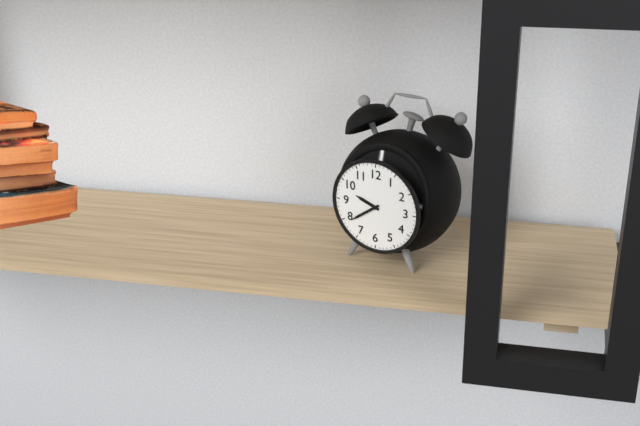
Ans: h=9 m=39
